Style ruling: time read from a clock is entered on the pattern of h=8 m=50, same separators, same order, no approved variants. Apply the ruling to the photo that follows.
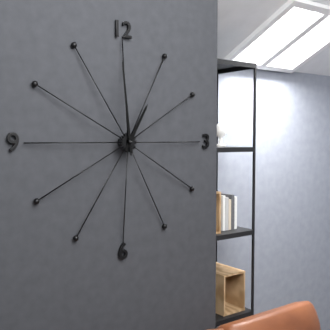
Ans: h=12 m=59
